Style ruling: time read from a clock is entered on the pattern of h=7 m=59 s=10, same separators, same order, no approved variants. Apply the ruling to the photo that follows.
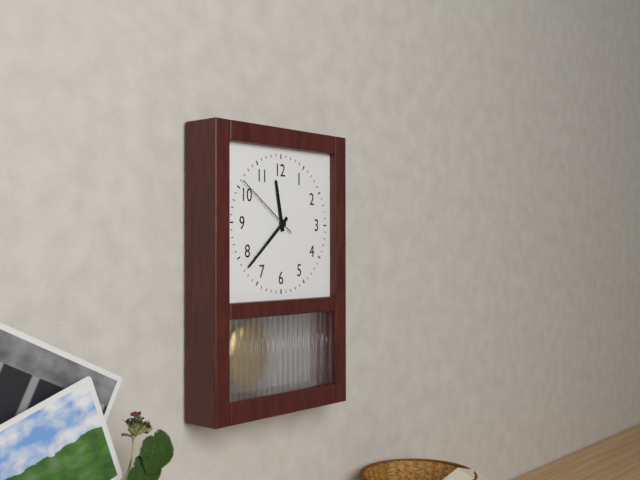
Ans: h=11 m=38 s=51
